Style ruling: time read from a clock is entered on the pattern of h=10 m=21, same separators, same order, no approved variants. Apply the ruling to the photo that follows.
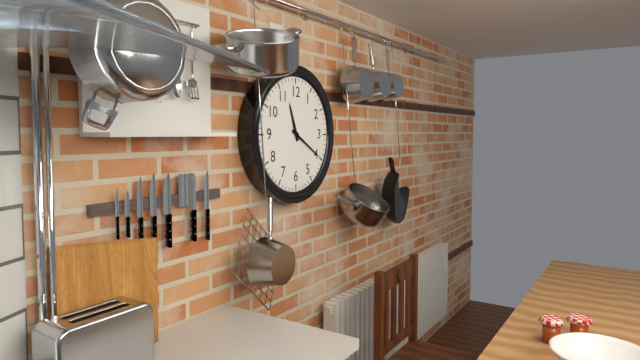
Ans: h=11 m=20
